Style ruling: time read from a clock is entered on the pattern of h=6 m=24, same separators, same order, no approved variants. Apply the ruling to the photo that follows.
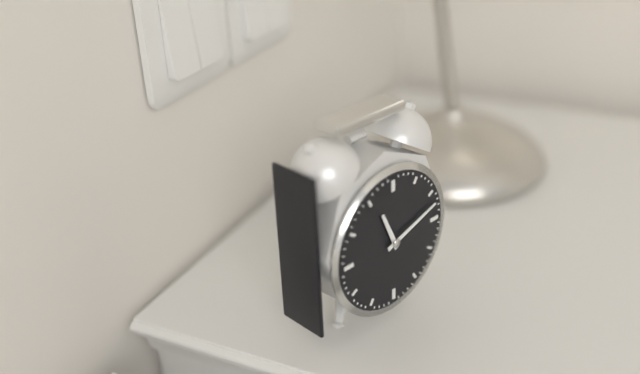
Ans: h=11 m=12
